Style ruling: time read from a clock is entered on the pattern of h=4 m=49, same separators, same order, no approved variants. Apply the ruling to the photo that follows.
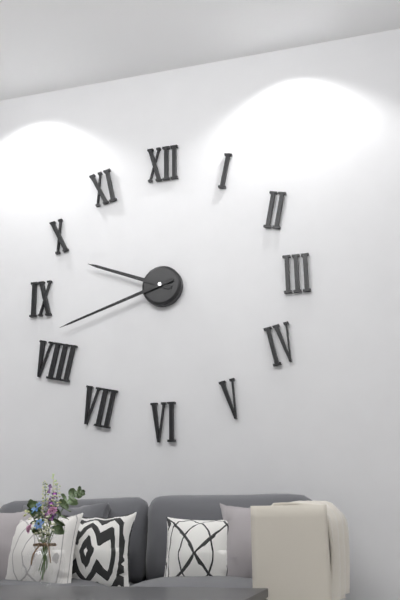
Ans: h=9 m=42
